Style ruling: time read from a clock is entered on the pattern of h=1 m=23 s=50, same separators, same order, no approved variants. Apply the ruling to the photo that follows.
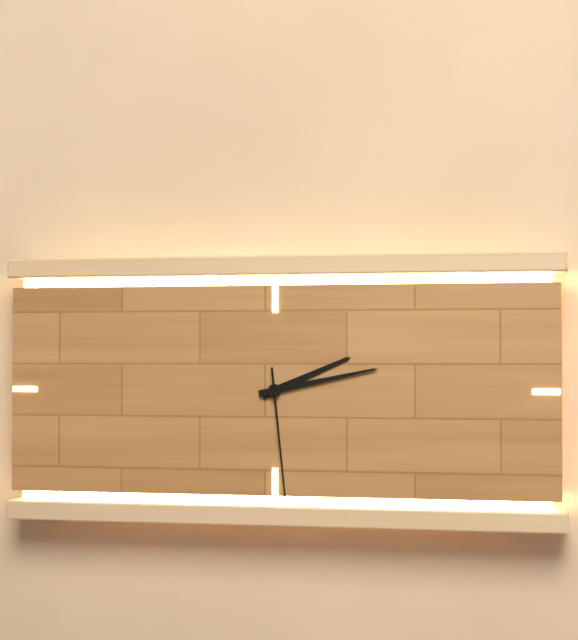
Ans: h=2 m=13 s=29
